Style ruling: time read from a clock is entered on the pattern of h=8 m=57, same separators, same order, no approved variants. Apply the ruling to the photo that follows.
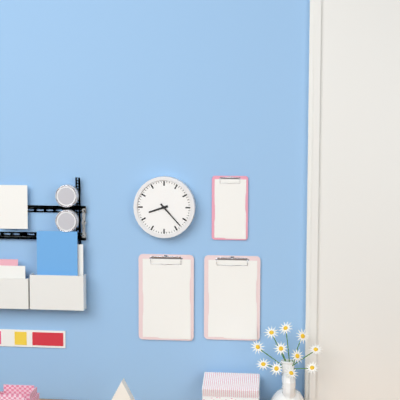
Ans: h=8 m=23
